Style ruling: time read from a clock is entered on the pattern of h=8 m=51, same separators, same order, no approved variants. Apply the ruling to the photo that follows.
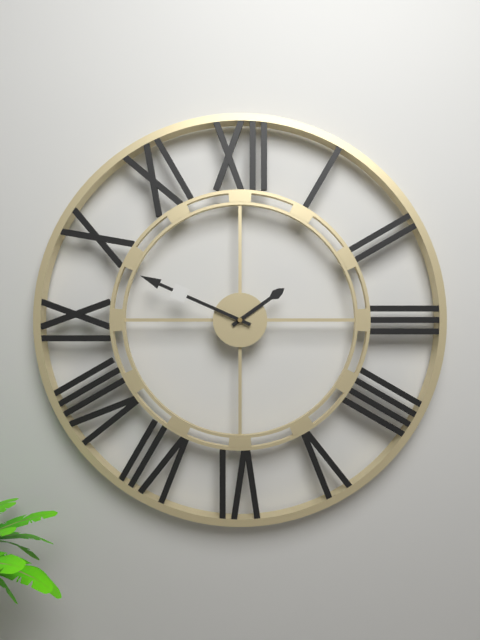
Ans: h=1 m=49
